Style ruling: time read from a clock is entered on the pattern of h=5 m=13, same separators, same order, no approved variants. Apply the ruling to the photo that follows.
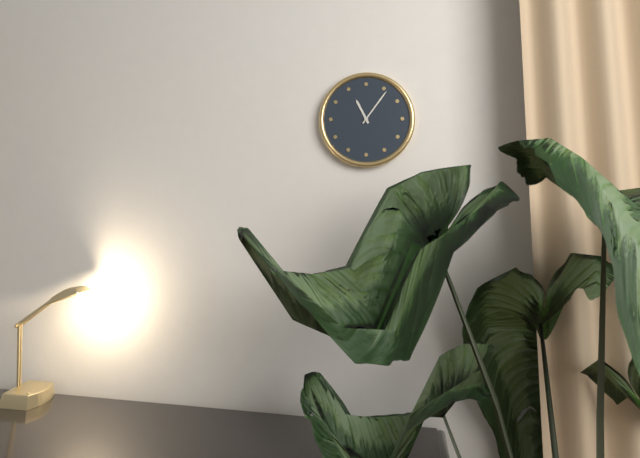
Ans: h=11 m=6
